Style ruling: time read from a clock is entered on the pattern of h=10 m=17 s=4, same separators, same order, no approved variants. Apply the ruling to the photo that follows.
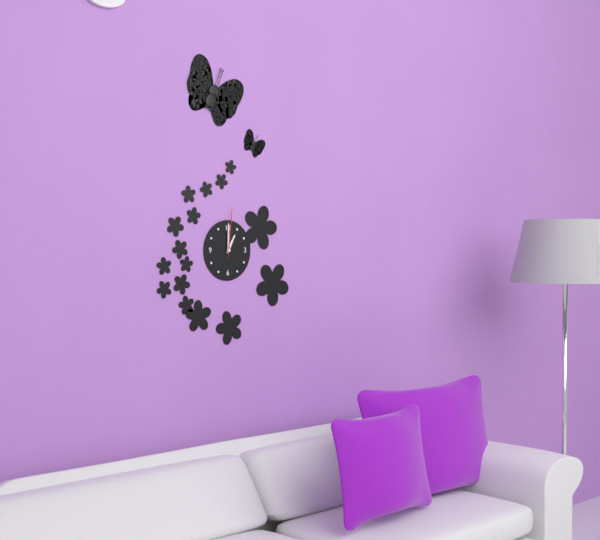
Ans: h=1 m=0 s=1
